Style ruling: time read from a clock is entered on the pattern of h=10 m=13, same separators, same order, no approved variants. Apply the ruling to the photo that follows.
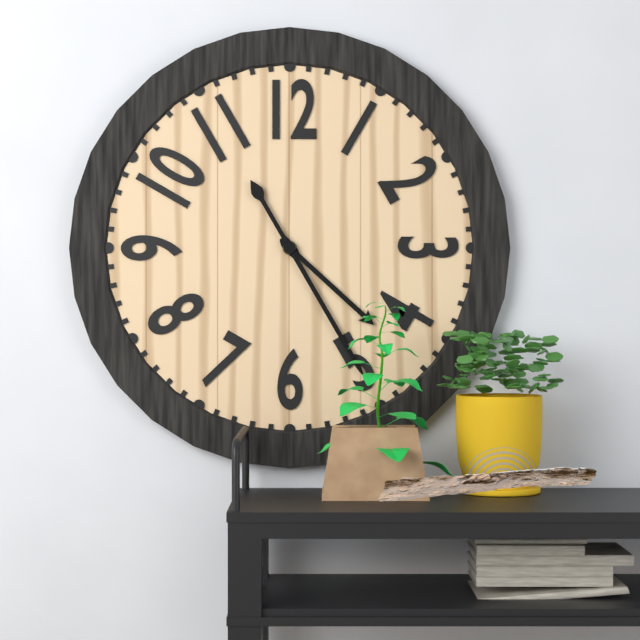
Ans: h=4 m=25
